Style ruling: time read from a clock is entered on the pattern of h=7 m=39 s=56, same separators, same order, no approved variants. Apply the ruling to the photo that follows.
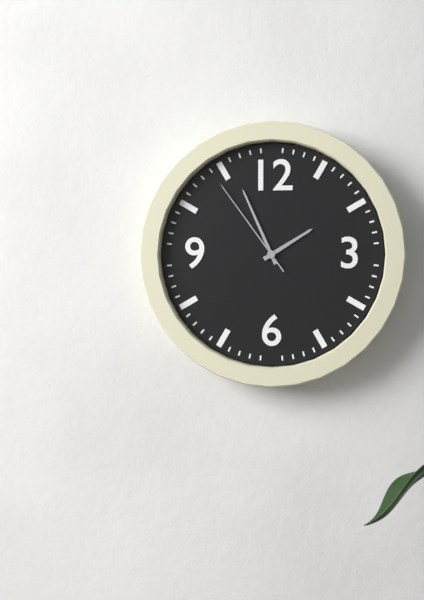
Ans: h=1 m=56 s=54
